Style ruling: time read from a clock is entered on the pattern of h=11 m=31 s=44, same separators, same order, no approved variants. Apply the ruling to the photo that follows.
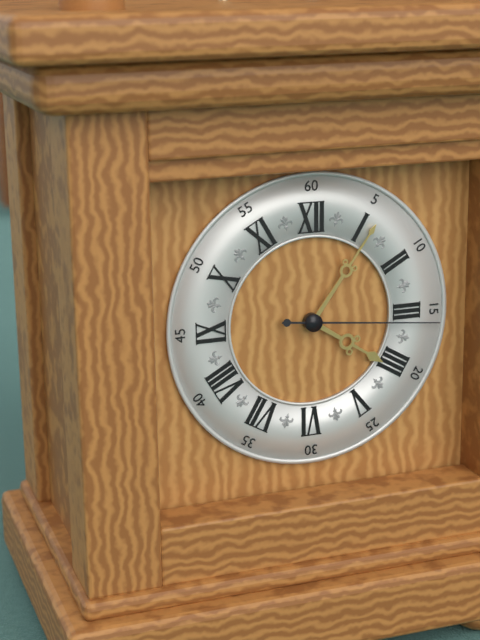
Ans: h=4 m=6 s=16
